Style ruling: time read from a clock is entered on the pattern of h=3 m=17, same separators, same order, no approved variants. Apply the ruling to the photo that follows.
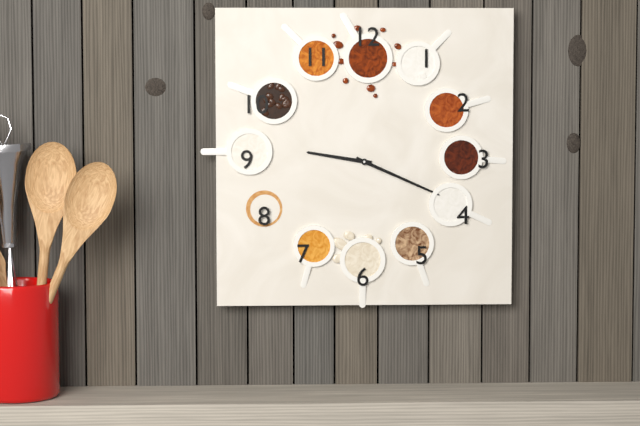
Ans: h=9 m=19
